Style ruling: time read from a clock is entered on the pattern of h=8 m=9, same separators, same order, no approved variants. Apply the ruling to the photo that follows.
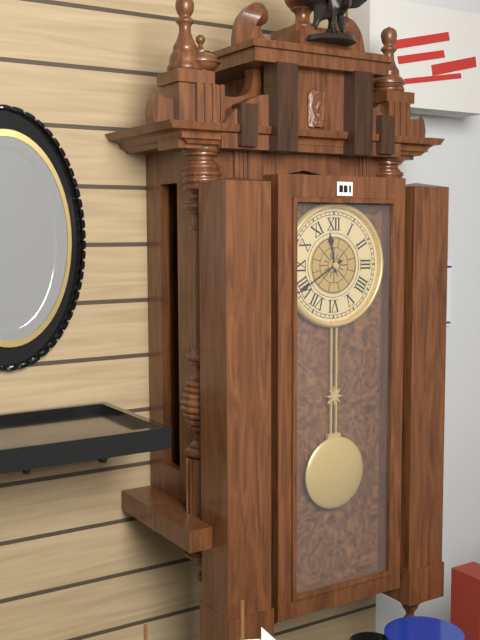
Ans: h=11 m=40
